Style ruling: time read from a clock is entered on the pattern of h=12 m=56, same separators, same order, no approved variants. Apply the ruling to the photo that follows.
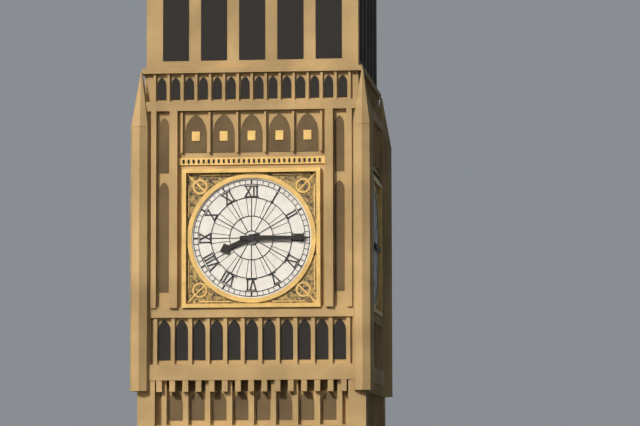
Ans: h=8 m=15
